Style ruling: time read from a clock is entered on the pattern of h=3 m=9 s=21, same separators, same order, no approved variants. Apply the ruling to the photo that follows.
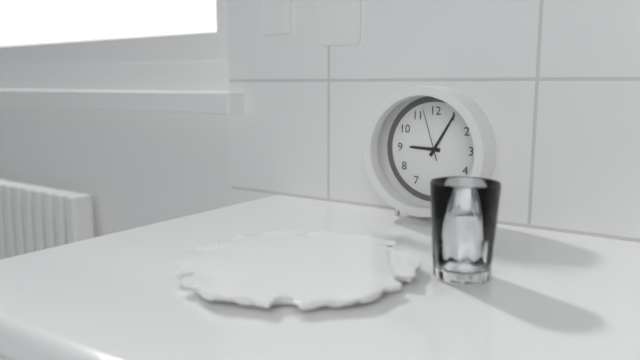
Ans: h=9 m=5 s=57
